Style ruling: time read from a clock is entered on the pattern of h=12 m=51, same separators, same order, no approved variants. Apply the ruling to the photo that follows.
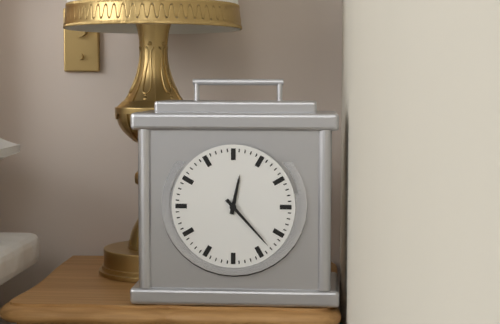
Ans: h=12 m=23
